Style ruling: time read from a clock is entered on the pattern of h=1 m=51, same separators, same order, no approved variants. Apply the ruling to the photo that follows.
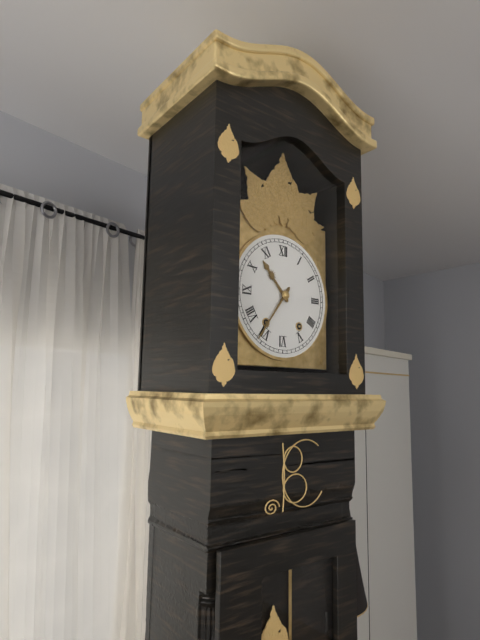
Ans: h=10 m=36
